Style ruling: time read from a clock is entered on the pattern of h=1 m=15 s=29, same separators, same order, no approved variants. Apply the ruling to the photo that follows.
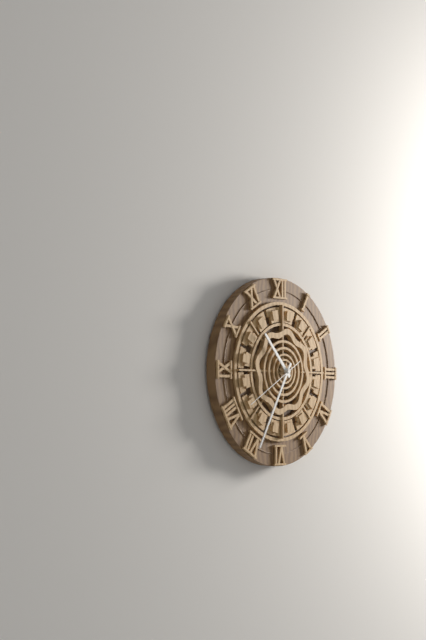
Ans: h=10 m=35 s=40
